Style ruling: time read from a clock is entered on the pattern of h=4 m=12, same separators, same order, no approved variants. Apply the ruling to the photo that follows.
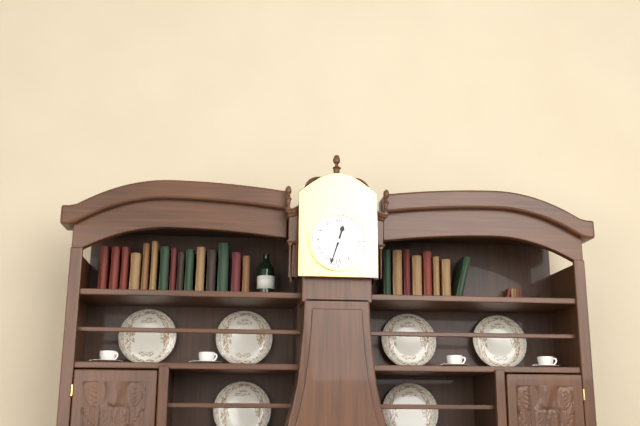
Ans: h=12 m=33
